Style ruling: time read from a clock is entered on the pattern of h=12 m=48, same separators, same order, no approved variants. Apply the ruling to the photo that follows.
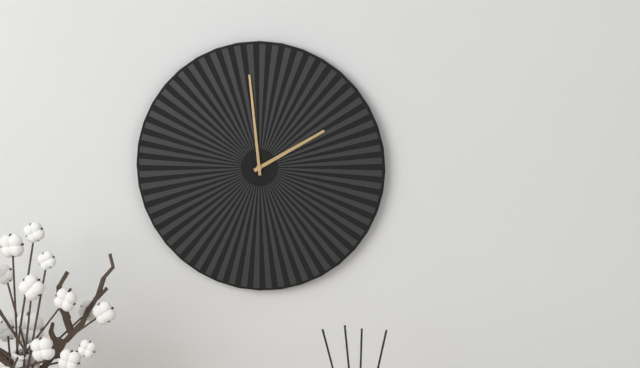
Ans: h=1 m=59
